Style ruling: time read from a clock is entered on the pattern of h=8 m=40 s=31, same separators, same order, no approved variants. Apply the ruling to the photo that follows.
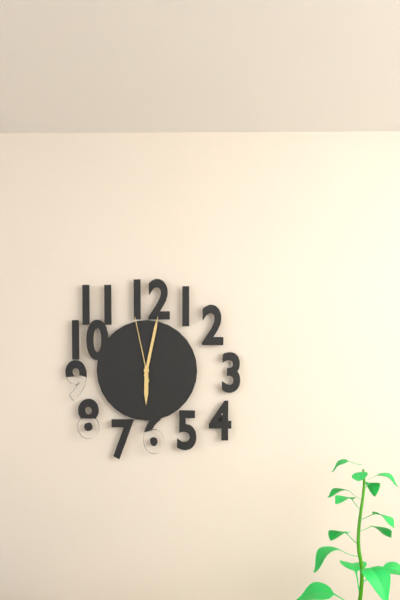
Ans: h=6 m=2 s=58
